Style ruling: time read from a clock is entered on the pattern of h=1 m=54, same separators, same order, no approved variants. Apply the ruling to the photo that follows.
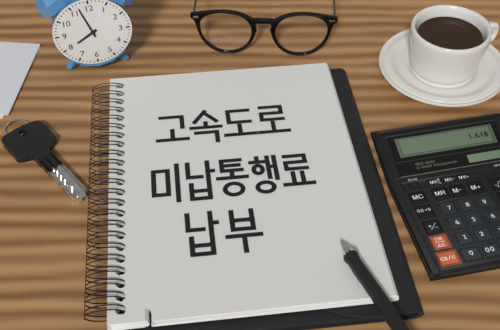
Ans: h=7 m=57
